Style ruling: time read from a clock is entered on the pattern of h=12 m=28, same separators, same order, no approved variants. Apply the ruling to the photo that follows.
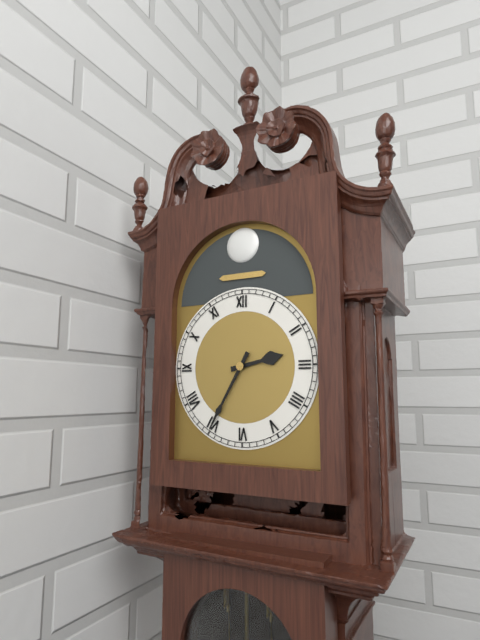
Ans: h=2 m=35
